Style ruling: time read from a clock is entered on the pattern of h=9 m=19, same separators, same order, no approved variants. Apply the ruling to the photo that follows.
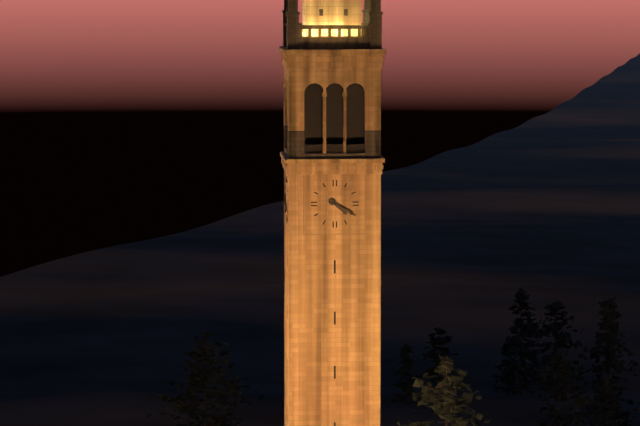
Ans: h=4 m=20
